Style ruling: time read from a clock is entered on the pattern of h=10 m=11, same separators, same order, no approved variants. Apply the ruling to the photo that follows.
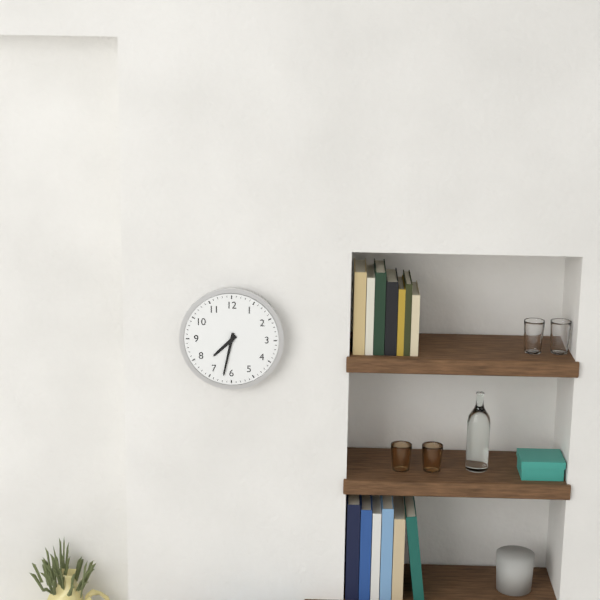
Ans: h=7 m=32
